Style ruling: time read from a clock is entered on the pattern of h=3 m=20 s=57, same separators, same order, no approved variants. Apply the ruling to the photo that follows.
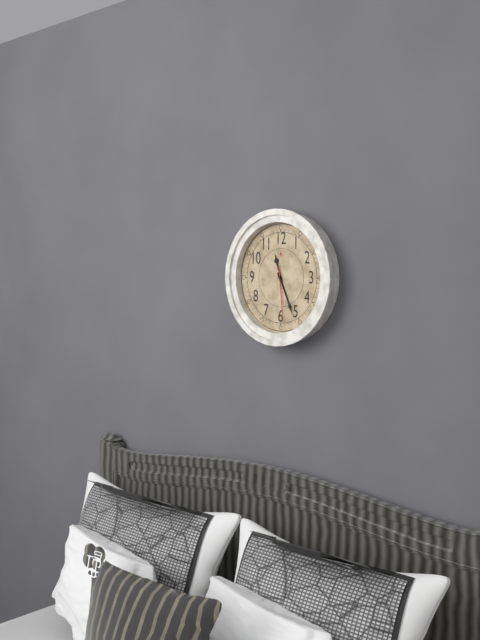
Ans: h=11 m=26 s=29
